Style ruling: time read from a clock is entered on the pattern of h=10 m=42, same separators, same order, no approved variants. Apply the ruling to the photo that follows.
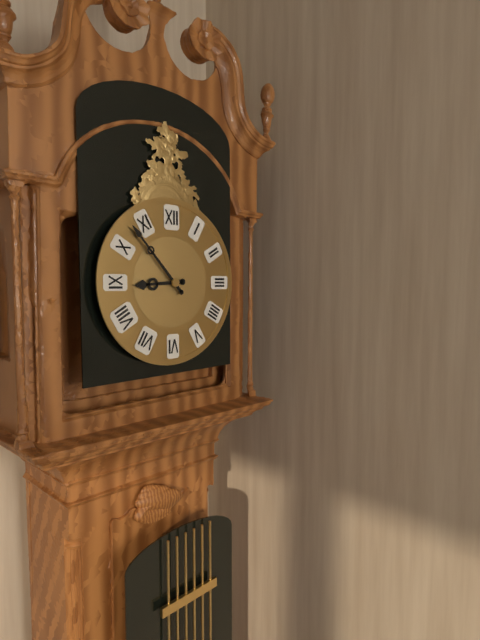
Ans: h=8 m=53
